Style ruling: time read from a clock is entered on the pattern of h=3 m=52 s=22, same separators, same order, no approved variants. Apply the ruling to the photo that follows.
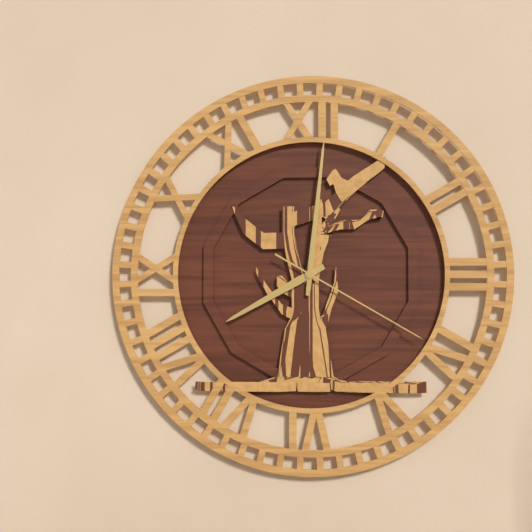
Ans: h=8 m=1 s=20
